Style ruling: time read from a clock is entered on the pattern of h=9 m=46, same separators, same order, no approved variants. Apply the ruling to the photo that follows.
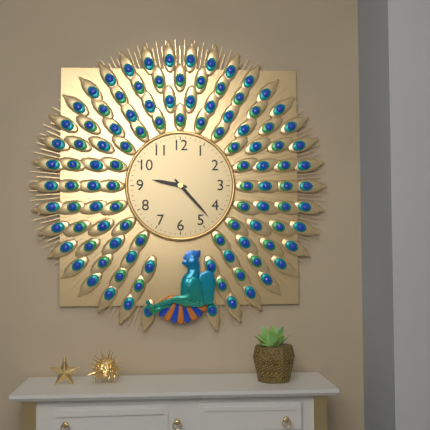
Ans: h=9 m=23
